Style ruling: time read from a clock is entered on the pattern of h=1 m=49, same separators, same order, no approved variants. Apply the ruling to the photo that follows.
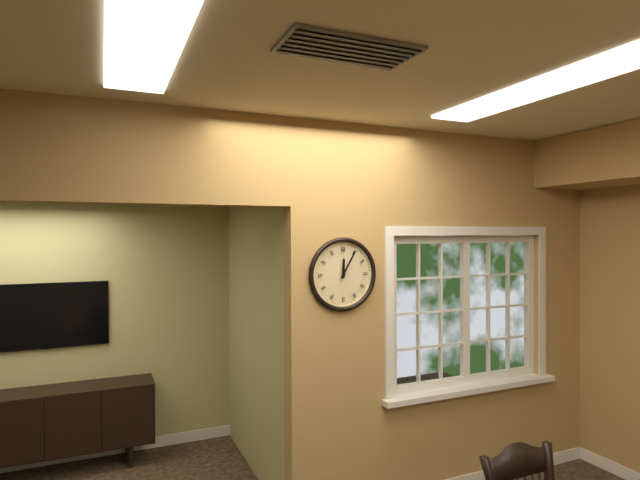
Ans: h=12 m=5
